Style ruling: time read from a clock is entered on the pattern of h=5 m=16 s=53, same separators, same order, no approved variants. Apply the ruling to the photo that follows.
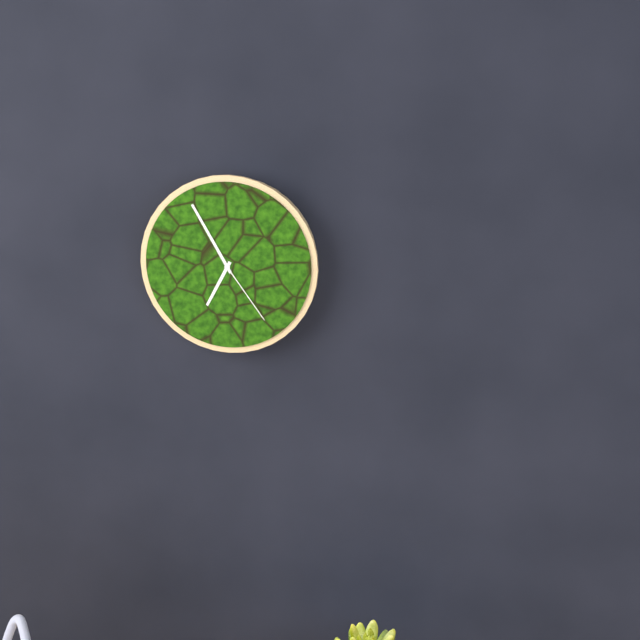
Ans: h=6 m=55 s=24
